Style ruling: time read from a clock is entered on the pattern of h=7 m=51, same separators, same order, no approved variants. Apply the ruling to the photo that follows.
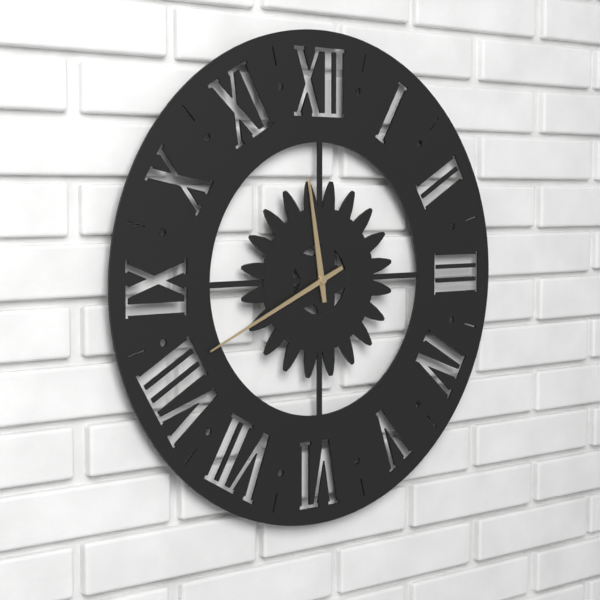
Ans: h=11 m=41
